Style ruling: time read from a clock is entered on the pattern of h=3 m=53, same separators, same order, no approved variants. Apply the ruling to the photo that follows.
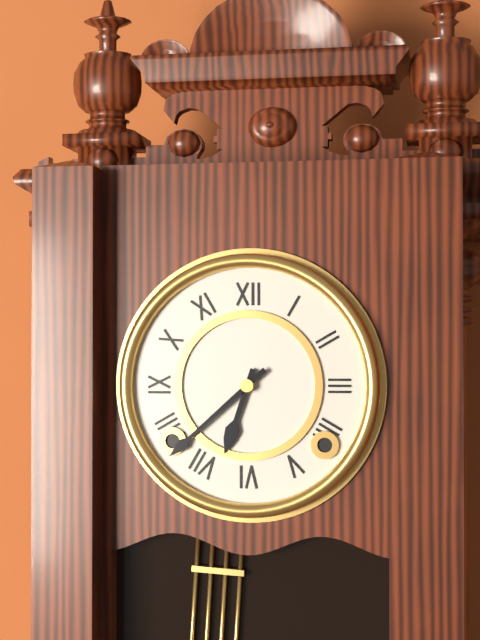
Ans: h=6 m=38
